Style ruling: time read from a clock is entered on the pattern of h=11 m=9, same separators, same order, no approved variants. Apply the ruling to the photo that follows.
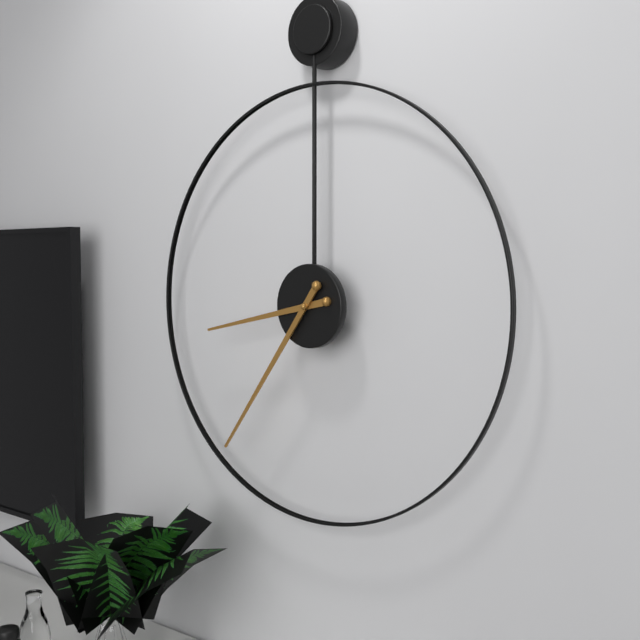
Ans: h=8 m=36
